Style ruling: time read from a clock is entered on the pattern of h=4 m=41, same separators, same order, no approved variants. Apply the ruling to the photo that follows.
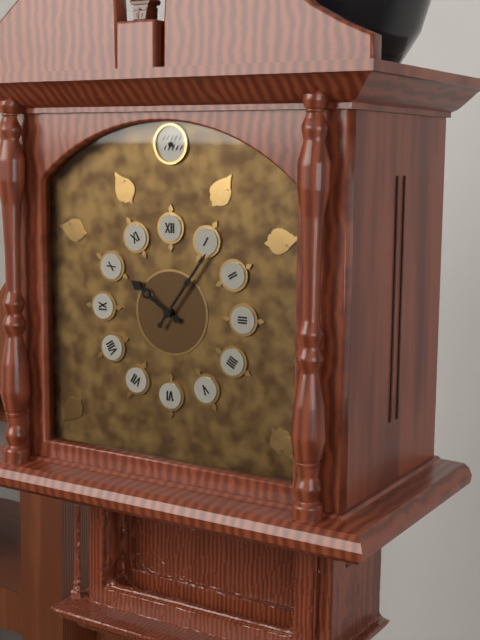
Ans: h=10 m=6
